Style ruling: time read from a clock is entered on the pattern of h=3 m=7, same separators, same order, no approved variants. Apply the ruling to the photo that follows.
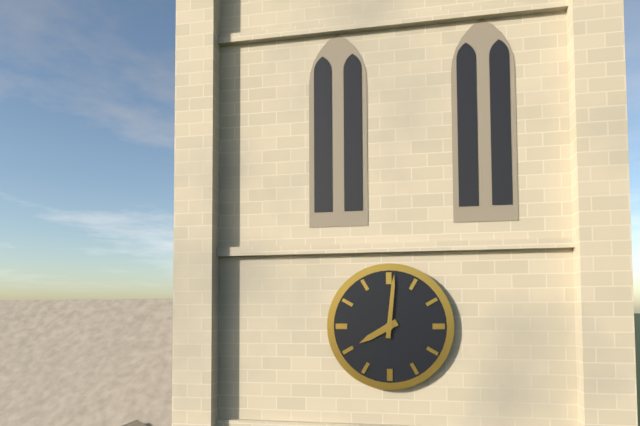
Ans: h=8 m=1
